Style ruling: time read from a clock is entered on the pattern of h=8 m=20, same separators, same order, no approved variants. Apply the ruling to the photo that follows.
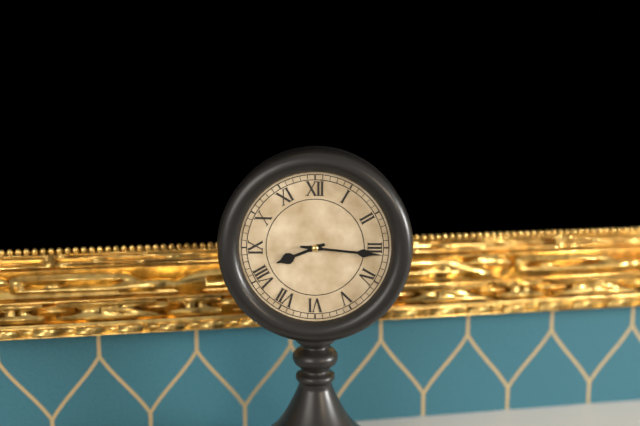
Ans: h=8 m=16
